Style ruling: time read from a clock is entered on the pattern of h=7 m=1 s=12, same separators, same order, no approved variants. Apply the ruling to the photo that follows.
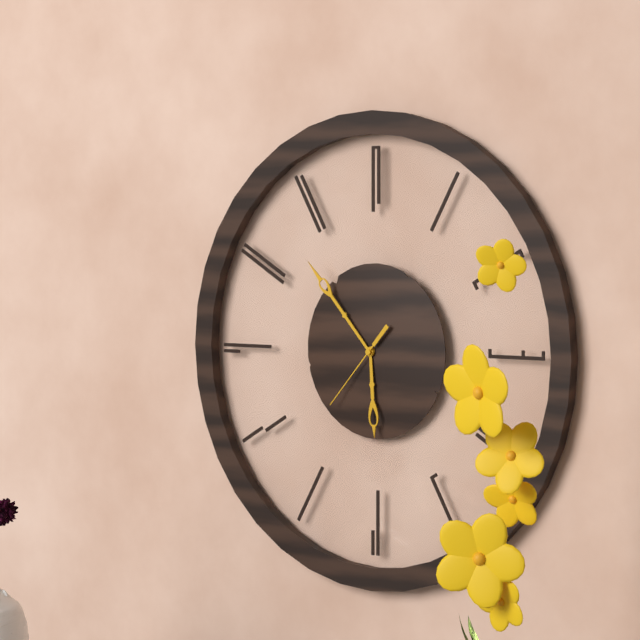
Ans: h=5 m=53 s=37
